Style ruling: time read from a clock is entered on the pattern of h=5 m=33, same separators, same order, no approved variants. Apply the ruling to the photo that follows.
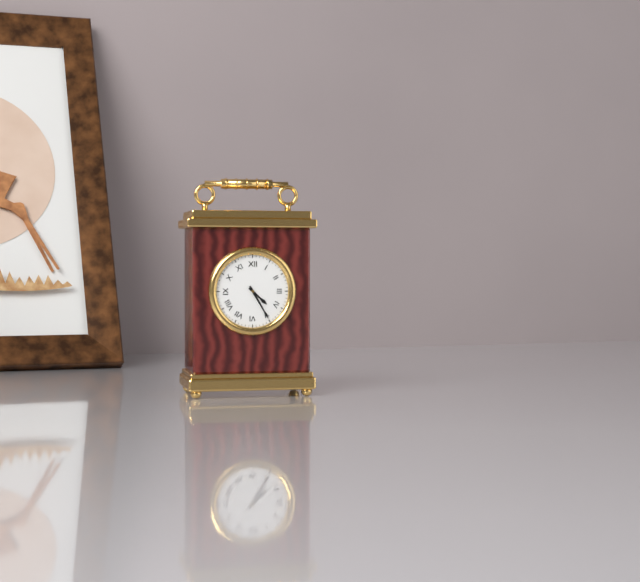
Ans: h=4 m=25
